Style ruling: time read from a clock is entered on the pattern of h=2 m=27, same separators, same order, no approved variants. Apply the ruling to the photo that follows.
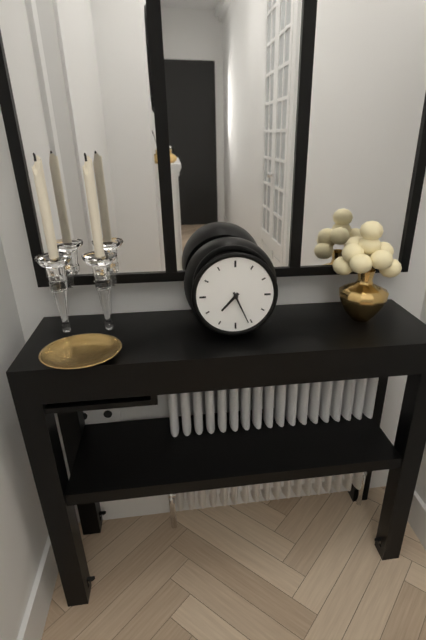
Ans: h=7 m=26
